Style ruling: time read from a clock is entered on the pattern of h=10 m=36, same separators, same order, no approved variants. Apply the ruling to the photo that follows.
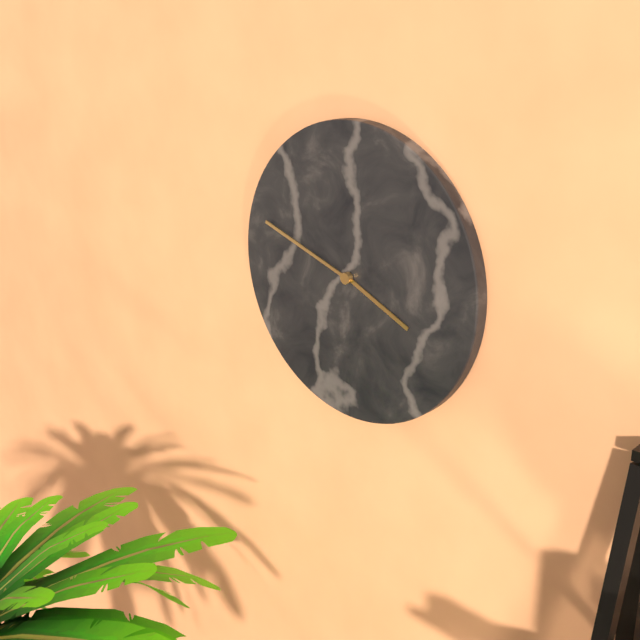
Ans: h=3 m=48
